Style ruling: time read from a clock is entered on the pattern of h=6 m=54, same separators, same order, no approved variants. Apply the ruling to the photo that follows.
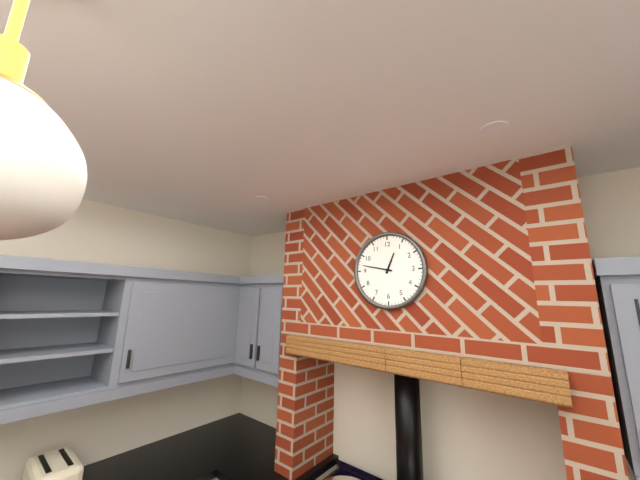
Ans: h=12 m=47
